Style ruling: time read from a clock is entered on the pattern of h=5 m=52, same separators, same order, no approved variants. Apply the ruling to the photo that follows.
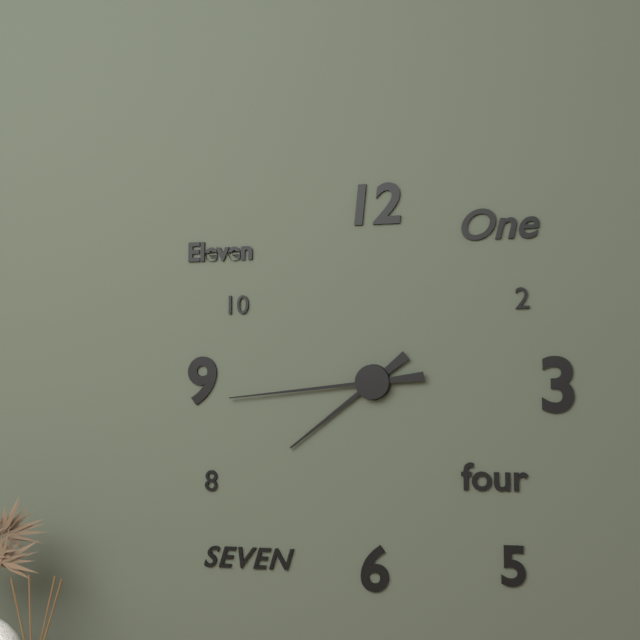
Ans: h=7 m=44
